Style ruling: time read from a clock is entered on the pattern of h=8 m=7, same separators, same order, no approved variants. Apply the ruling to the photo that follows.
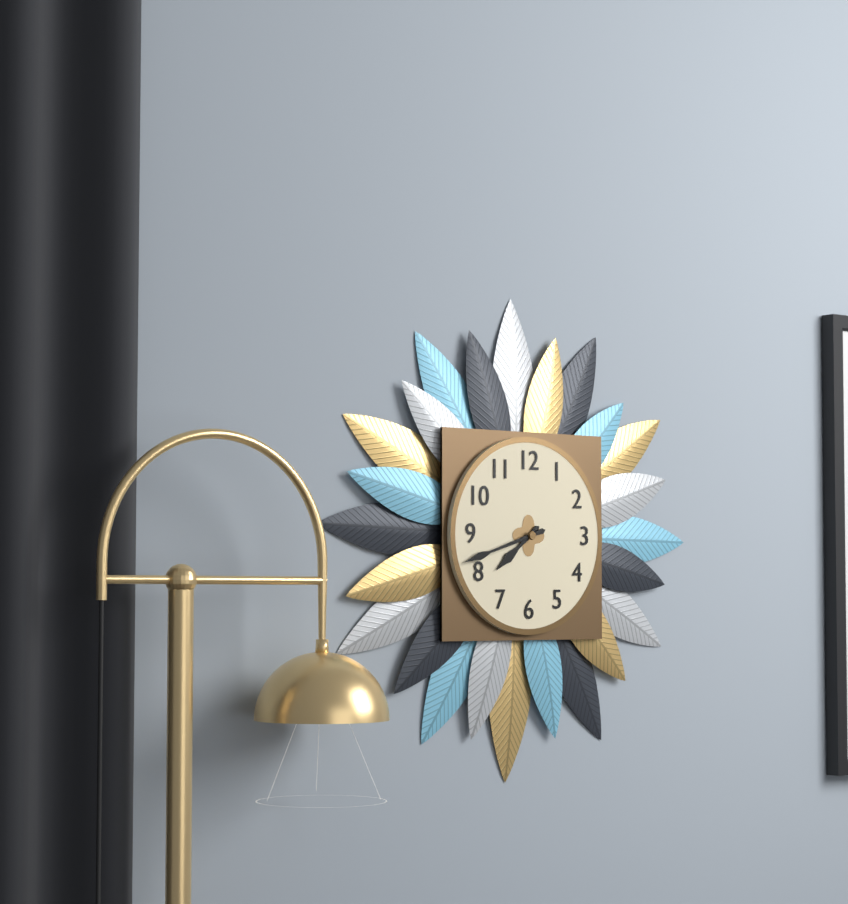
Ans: h=7 m=42
